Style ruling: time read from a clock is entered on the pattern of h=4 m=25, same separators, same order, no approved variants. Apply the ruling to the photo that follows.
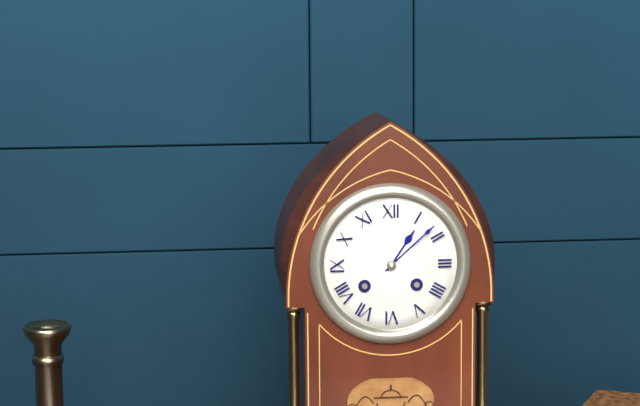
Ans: h=1 m=8
